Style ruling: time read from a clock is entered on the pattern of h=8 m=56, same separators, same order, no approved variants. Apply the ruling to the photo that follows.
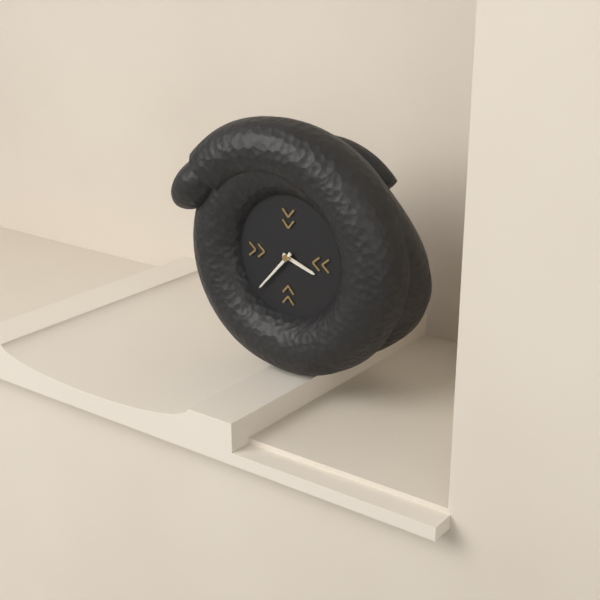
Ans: h=3 m=37
